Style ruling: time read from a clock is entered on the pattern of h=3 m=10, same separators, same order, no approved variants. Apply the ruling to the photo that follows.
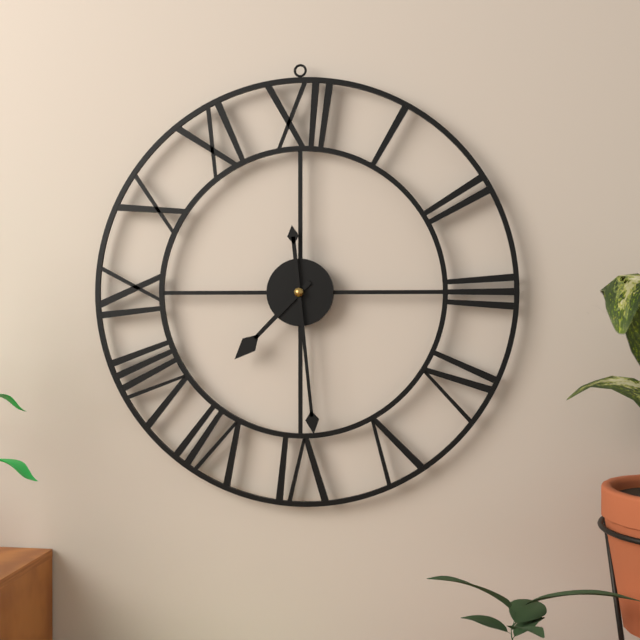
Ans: h=7 m=29
